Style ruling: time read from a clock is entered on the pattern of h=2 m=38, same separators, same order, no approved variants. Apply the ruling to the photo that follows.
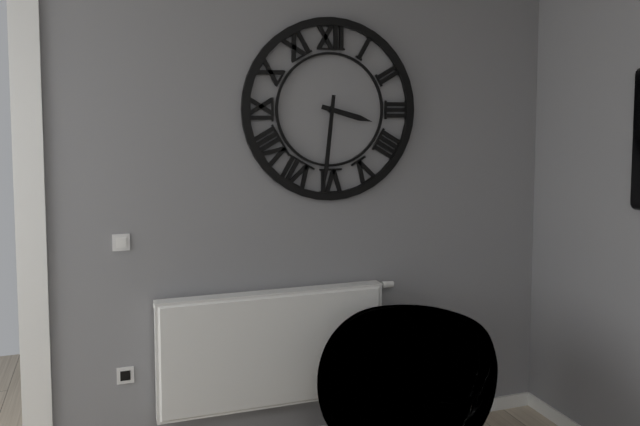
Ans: h=3 m=31
